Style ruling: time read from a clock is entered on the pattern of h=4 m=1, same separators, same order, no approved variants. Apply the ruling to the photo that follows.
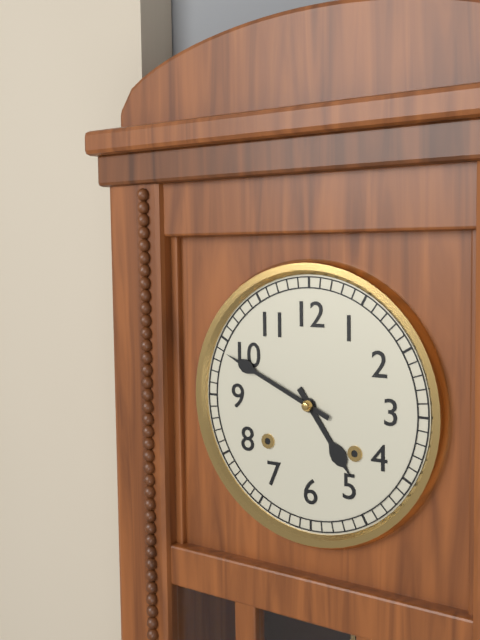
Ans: h=4 m=49
